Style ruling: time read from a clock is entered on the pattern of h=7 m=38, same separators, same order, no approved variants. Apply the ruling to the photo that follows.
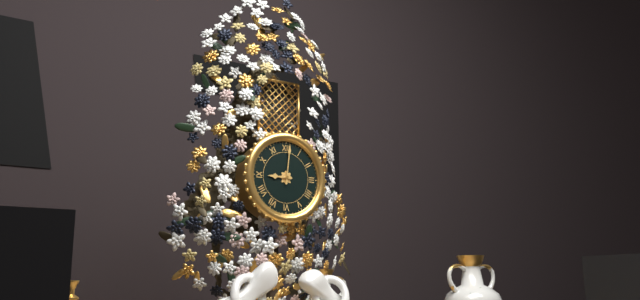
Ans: h=9 m=1
